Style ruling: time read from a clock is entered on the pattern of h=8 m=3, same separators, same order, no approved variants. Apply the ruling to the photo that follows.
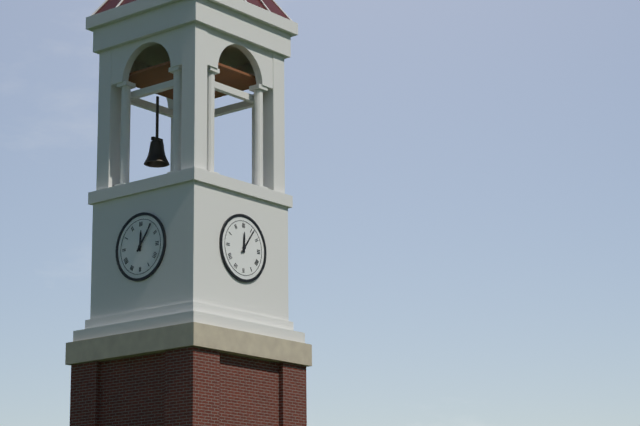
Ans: h=12 m=6
